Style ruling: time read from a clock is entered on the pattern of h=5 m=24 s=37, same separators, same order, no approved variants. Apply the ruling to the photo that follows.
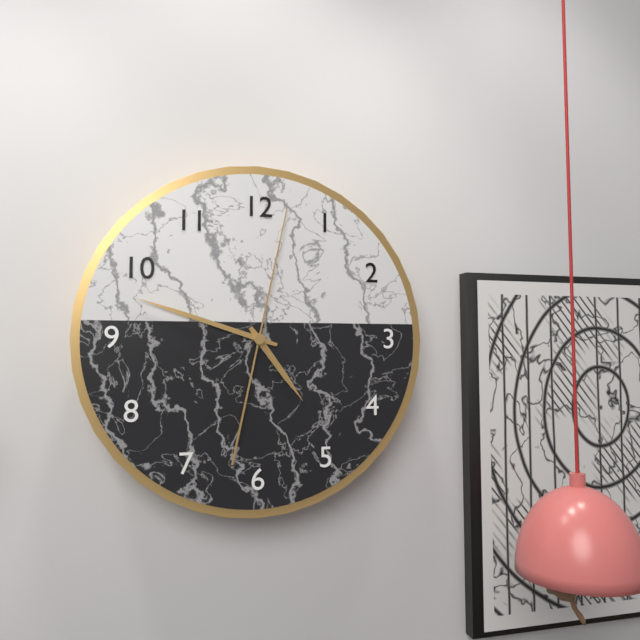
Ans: h=4 m=48 s=2
